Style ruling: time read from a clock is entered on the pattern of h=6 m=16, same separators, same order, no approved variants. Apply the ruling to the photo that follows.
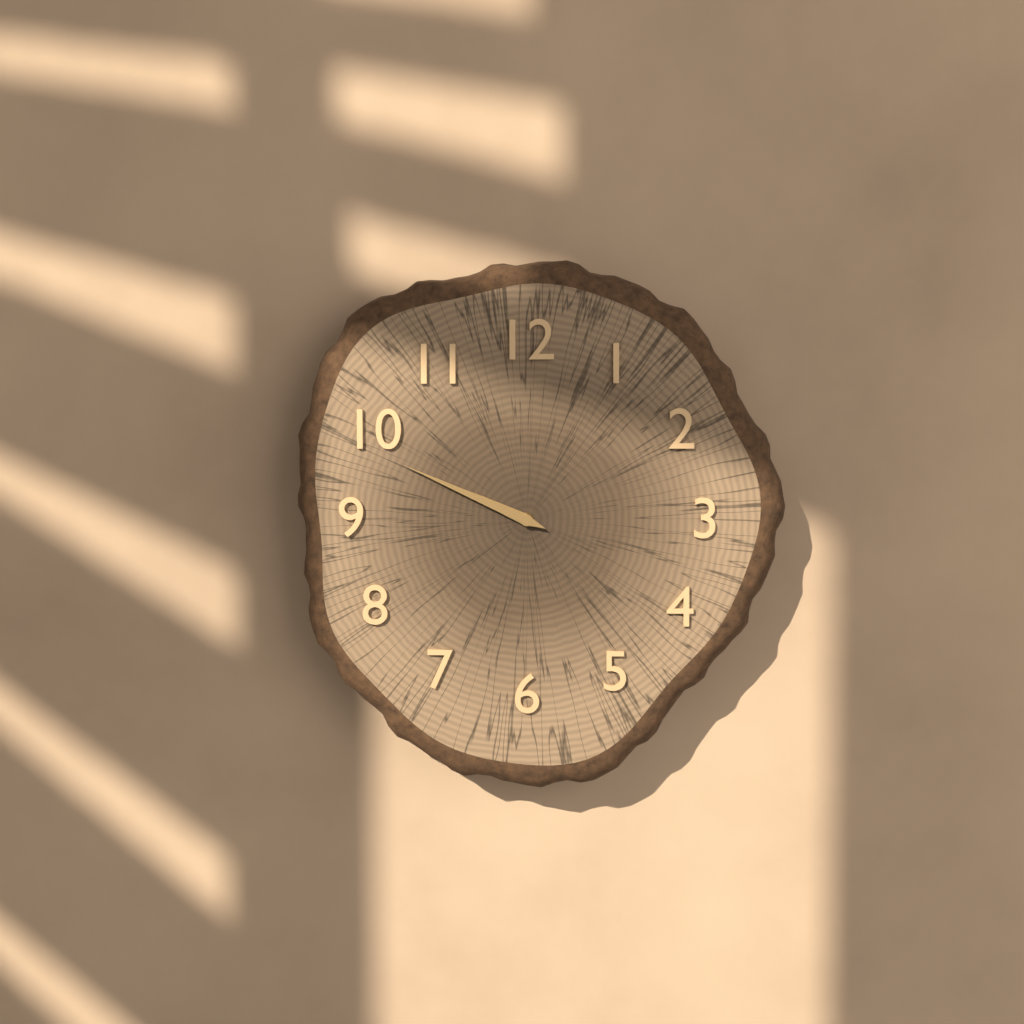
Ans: h=9 m=49
